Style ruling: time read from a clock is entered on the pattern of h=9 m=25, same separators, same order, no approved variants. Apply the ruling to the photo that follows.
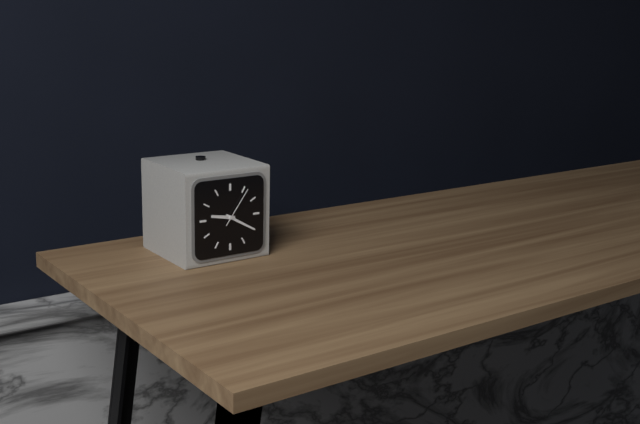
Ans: h=9 m=20
